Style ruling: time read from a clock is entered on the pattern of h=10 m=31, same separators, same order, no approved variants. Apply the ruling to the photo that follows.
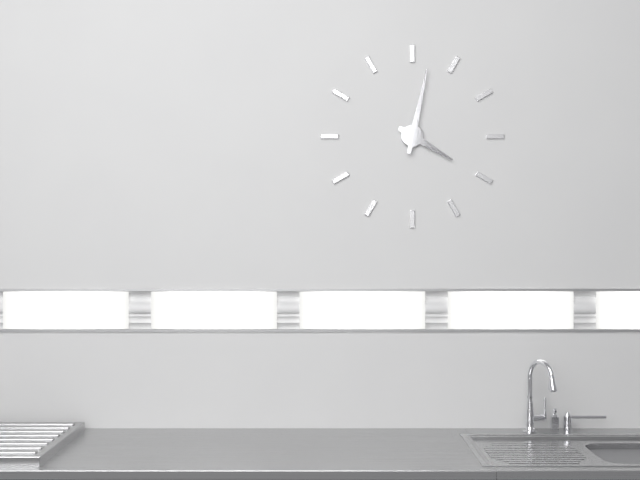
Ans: h=4 m=2
